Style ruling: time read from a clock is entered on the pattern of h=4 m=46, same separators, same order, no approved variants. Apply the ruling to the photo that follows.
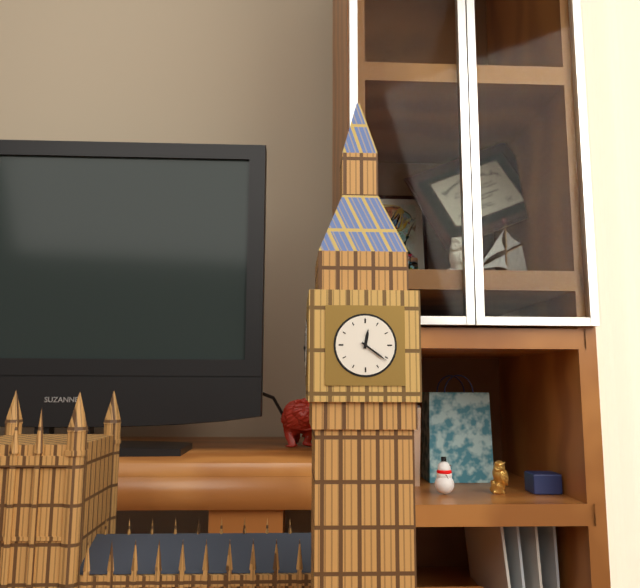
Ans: h=12 m=21
